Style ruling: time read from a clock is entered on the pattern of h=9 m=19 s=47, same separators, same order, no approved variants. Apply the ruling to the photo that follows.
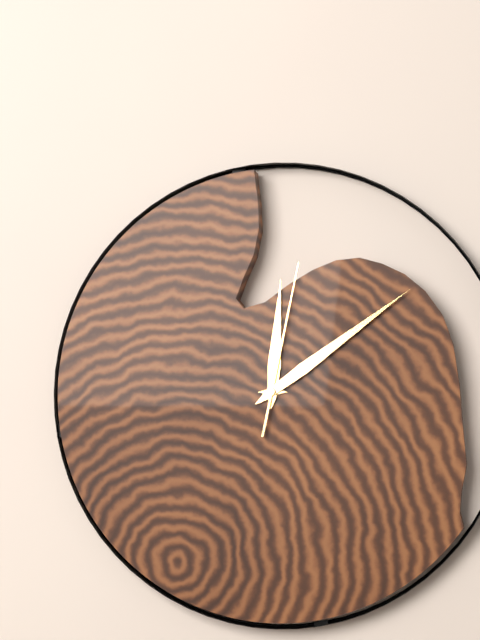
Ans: h=12 m=9 s=2
